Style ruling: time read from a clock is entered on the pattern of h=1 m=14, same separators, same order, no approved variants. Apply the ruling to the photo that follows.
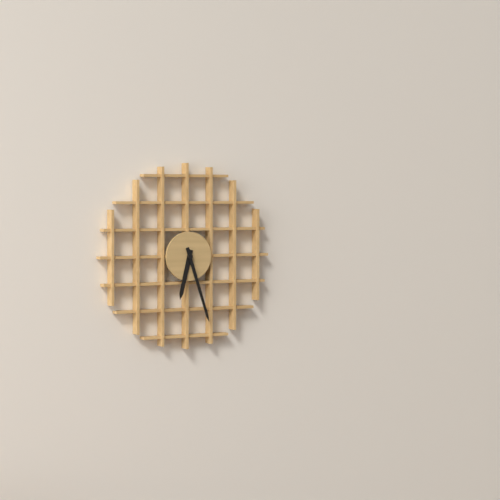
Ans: h=6 m=27
